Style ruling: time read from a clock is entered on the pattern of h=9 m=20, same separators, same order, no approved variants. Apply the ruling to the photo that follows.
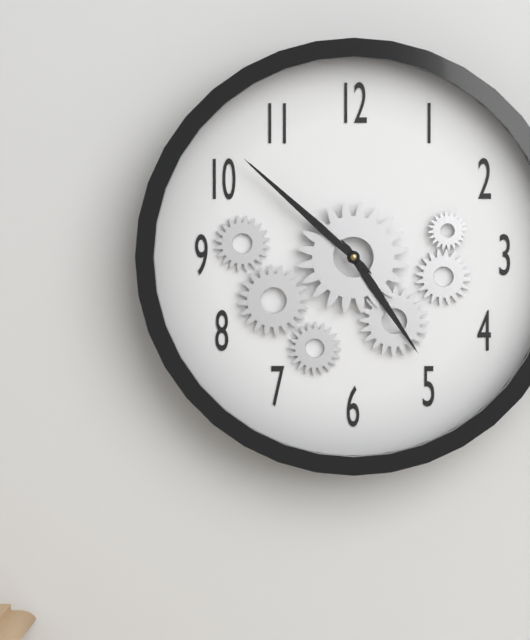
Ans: h=4 m=52
